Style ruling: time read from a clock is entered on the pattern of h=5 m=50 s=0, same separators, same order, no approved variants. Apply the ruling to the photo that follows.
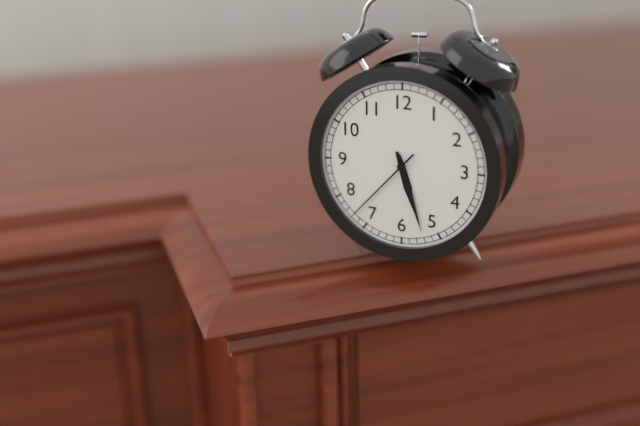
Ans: h=5 m=27 s=37
